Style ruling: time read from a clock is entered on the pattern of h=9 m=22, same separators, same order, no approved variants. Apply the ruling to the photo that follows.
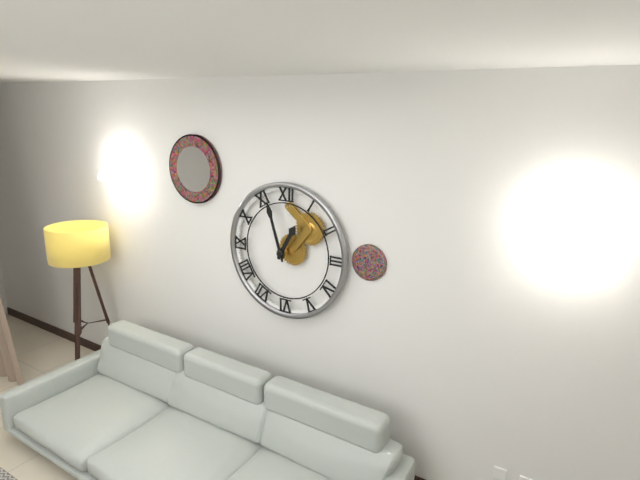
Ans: h=12 m=57
